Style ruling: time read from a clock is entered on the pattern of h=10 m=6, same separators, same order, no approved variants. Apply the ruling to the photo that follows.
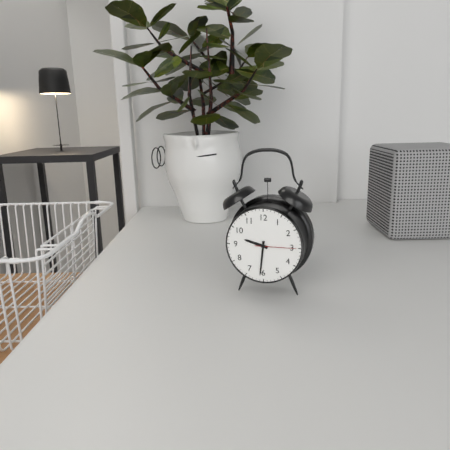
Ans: h=9 m=31
